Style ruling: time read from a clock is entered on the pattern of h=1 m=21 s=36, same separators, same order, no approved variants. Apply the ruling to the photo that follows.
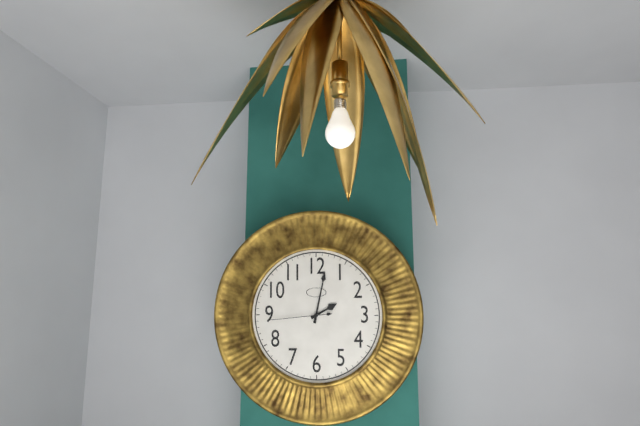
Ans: h=2 m=2 s=44
